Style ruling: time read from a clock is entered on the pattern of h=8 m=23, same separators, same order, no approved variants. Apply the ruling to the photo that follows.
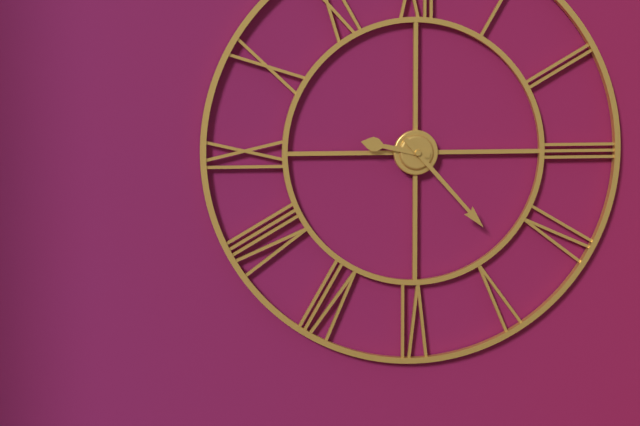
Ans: h=9 m=23
